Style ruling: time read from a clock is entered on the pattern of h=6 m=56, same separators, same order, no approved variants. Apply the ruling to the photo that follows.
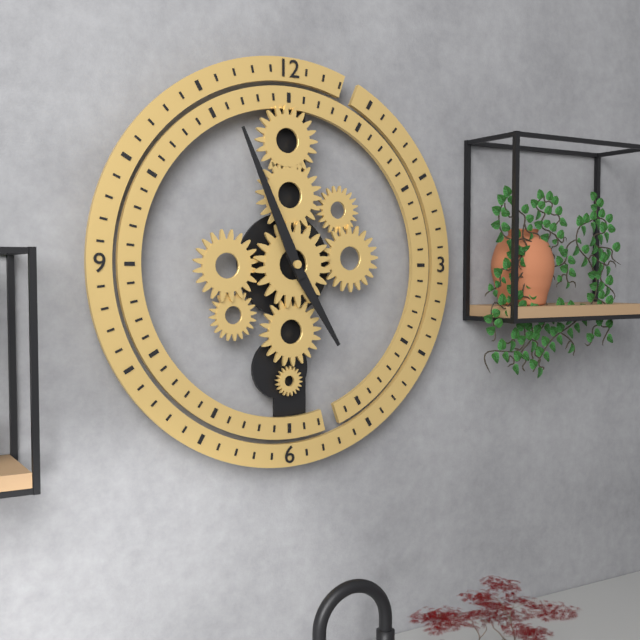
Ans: h=4 m=56
